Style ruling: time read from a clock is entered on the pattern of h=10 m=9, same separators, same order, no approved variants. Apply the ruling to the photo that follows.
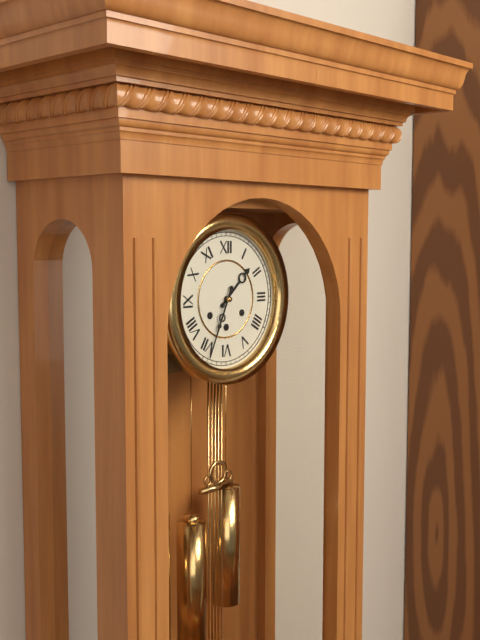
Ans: h=1 m=34
